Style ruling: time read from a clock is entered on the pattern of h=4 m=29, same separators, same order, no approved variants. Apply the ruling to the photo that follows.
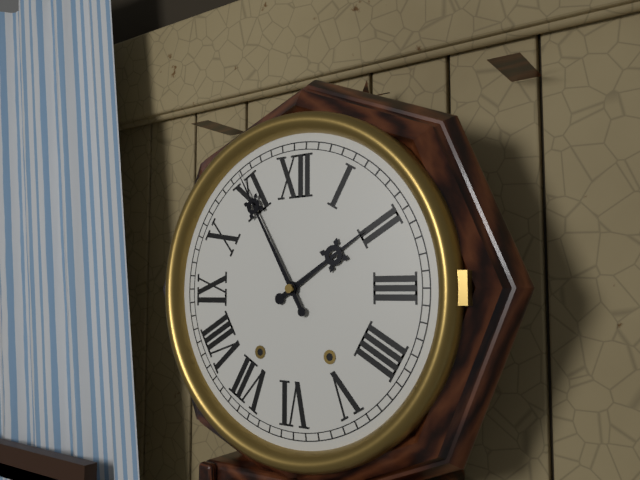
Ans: h=1 m=55
